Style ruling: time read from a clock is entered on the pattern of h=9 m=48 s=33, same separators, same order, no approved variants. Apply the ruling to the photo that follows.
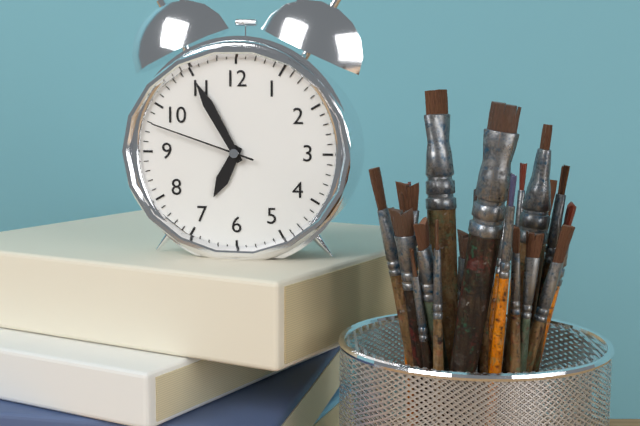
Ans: h=6 m=55 s=48
